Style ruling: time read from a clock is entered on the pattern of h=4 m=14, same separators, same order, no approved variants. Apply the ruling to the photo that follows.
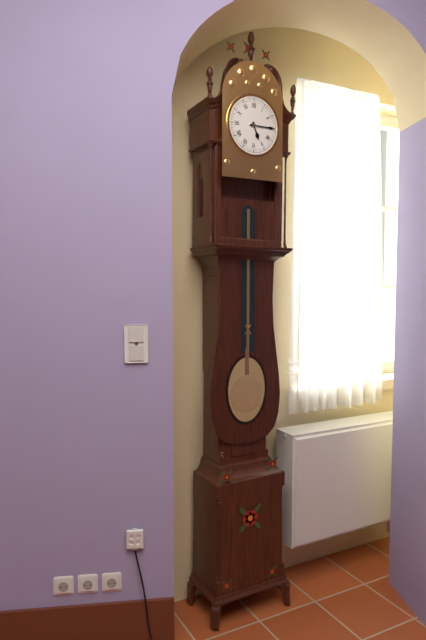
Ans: h=5 m=15
